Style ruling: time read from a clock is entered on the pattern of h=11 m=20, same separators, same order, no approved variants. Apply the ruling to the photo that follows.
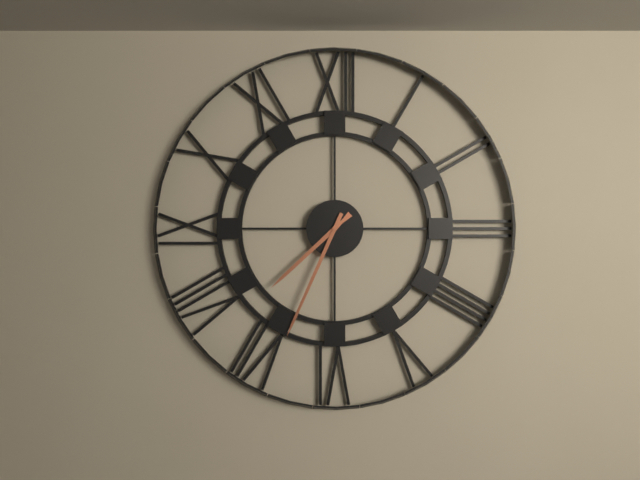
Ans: h=7 m=34
